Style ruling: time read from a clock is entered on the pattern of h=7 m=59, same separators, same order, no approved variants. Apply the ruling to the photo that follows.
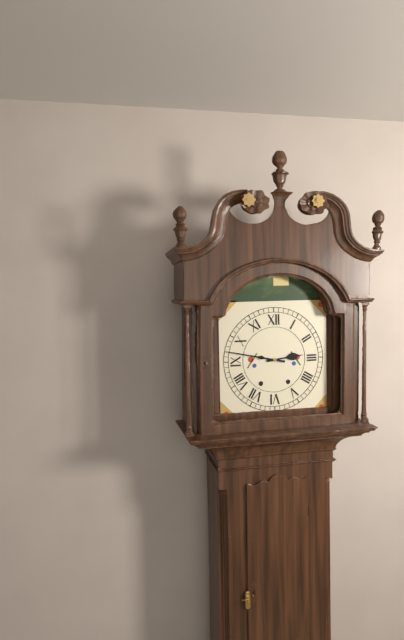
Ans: h=2 m=47
